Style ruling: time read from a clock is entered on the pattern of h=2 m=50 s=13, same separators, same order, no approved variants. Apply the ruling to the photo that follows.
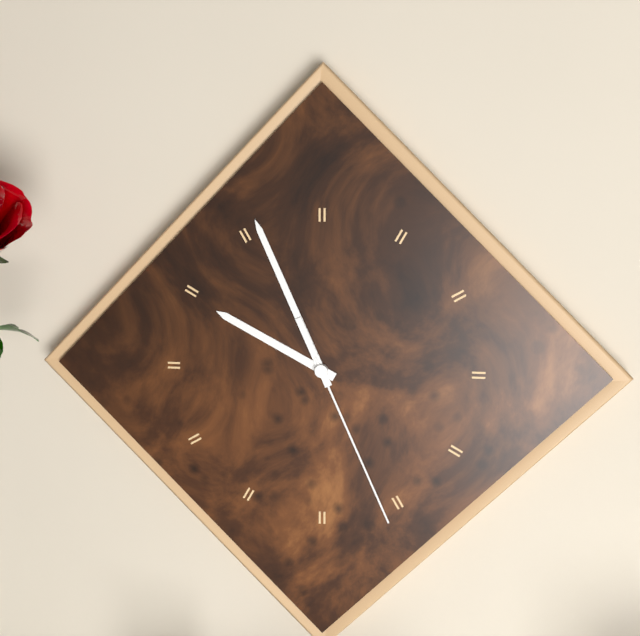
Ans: h=9 m=56 s=26
